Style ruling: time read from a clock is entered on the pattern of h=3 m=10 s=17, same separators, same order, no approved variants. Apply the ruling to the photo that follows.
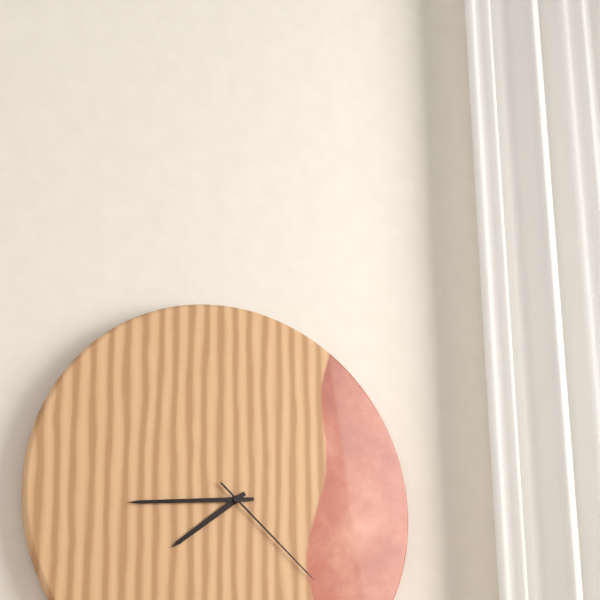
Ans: h=7 m=44 s=22
